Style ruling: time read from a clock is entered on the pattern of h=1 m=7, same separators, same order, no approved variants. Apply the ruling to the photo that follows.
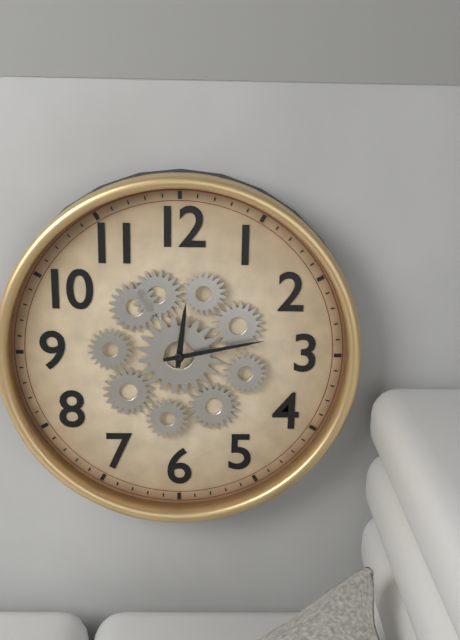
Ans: h=12 m=13
